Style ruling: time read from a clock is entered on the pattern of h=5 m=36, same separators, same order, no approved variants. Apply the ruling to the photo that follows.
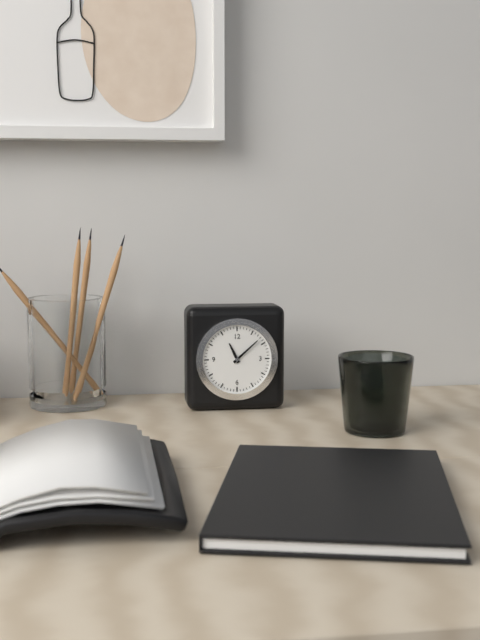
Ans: h=11 m=8
